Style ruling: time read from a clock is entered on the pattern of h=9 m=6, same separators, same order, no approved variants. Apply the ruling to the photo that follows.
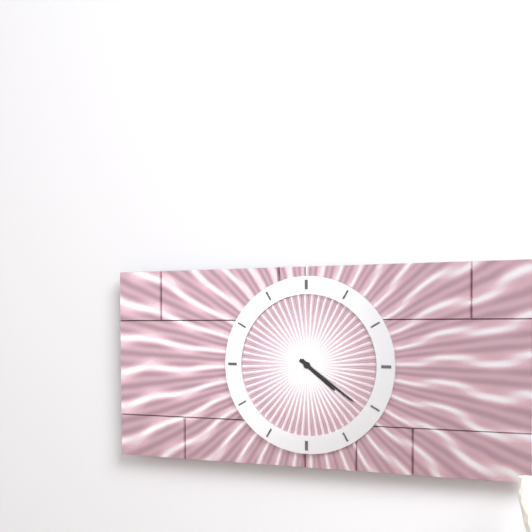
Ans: h=4 m=21
